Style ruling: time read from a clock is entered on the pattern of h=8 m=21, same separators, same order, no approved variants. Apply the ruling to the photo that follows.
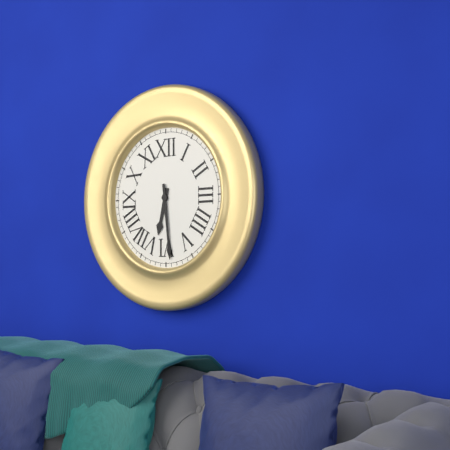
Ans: h=6 m=29
